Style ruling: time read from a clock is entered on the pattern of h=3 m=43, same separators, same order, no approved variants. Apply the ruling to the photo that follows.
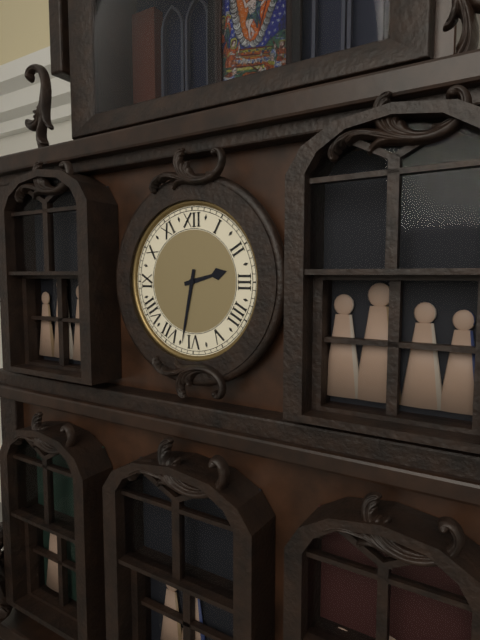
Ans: h=2 m=32
